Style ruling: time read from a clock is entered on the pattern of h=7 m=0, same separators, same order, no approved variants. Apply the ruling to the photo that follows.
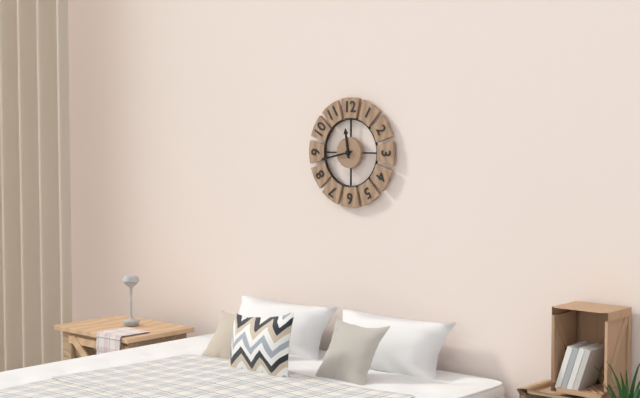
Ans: h=11 m=43
